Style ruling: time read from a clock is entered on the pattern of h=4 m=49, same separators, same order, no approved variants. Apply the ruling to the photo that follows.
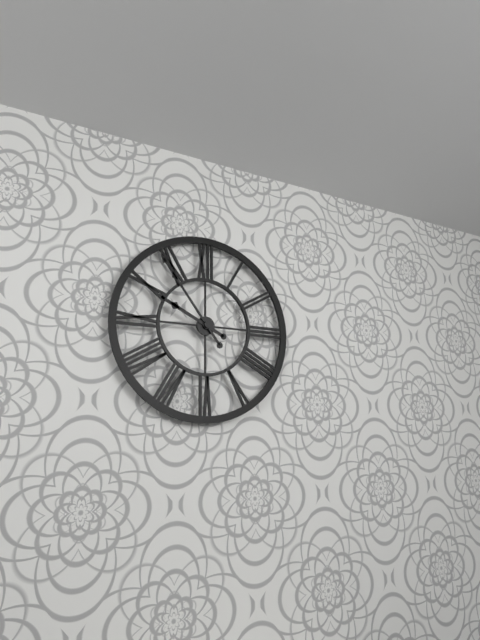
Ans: h=9 m=54
